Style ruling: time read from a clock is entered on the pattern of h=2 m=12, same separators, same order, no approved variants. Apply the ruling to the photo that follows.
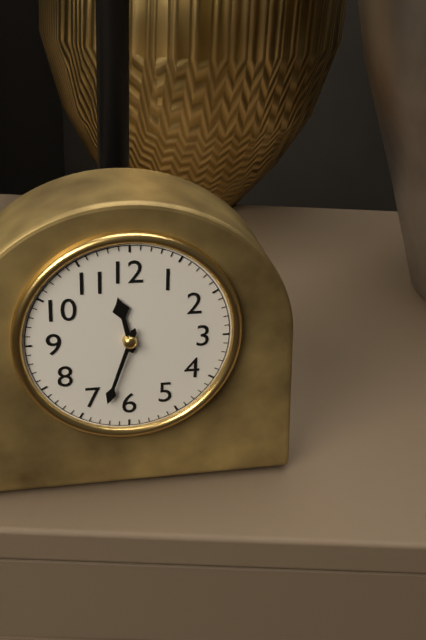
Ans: h=11 m=33
